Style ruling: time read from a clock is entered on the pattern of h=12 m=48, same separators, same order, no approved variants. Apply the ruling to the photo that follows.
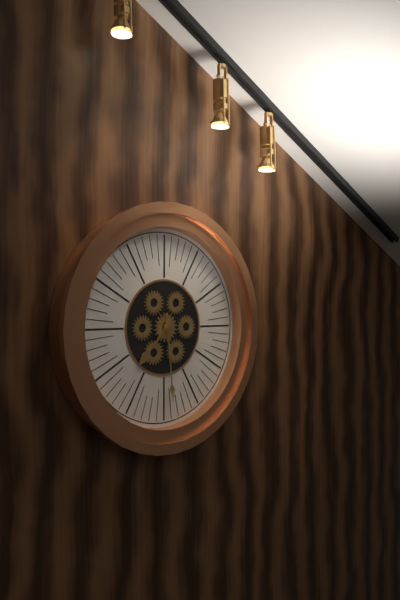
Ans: h=7 m=29
